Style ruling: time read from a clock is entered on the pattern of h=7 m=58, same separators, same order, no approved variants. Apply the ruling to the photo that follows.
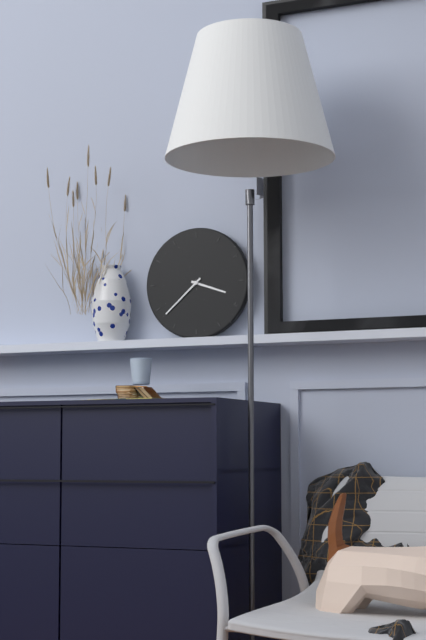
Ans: h=3 m=38
